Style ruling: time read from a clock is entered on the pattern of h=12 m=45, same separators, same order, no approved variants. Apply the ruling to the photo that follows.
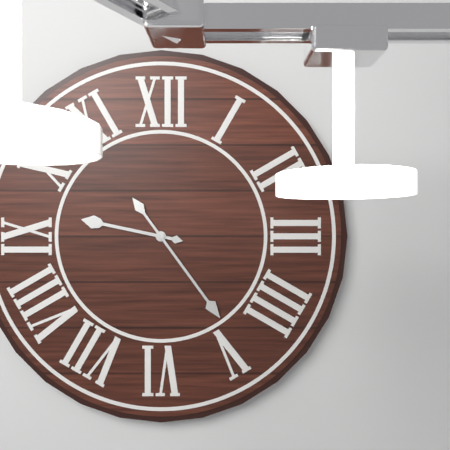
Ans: h=9 m=24
